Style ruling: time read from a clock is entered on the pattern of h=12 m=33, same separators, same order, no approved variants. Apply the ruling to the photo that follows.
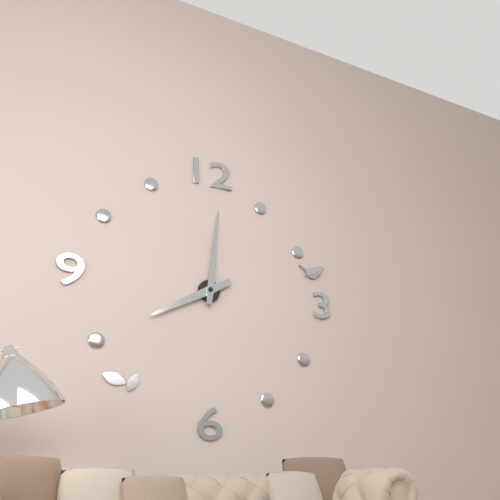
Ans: h=8 m=1
